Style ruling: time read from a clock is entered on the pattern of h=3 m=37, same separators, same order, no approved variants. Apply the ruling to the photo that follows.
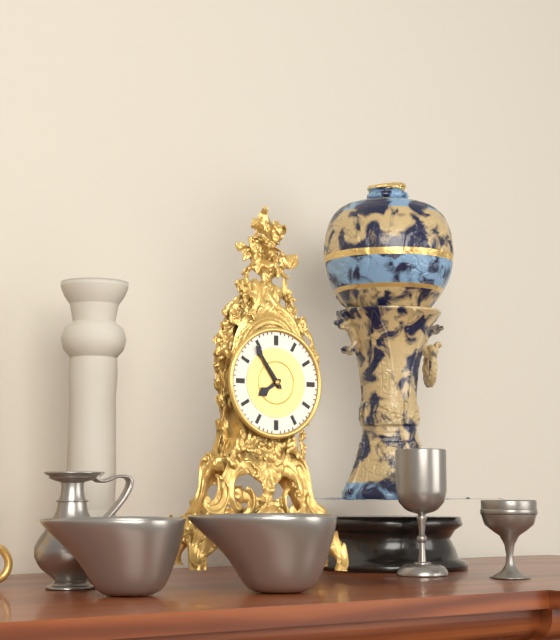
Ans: h=7 m=54
